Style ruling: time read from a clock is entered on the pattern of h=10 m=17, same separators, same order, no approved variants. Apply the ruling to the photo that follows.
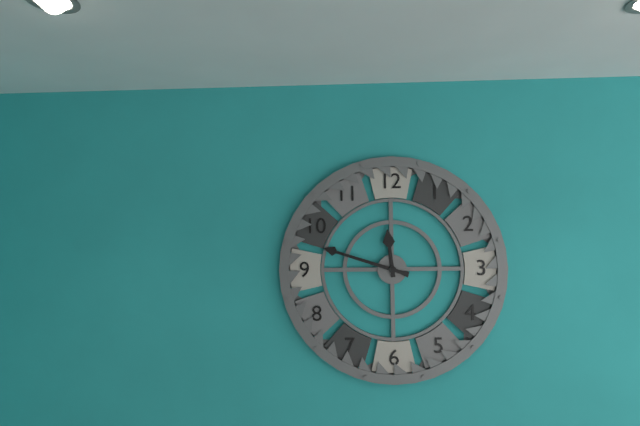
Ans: h=11 m=48
